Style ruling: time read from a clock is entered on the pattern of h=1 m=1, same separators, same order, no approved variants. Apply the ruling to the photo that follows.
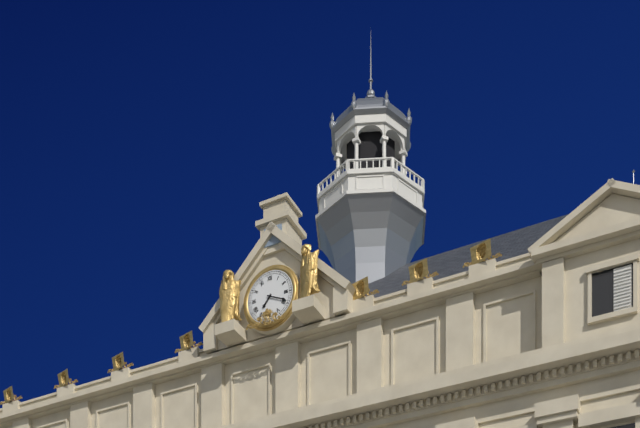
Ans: h=7 m=19
